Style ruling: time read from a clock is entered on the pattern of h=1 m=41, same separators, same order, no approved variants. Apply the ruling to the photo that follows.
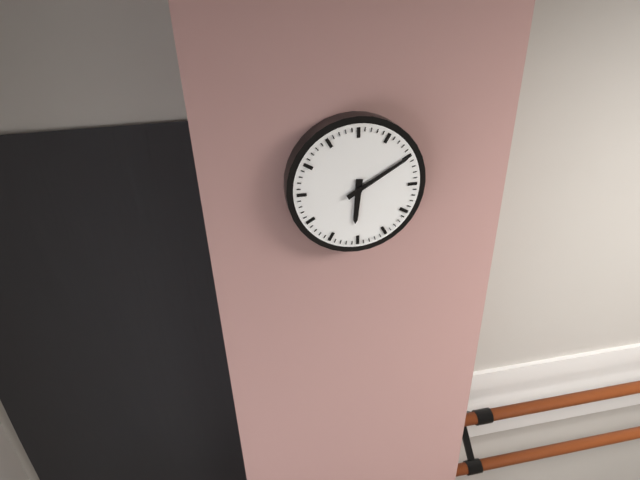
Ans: h=6 m=10
